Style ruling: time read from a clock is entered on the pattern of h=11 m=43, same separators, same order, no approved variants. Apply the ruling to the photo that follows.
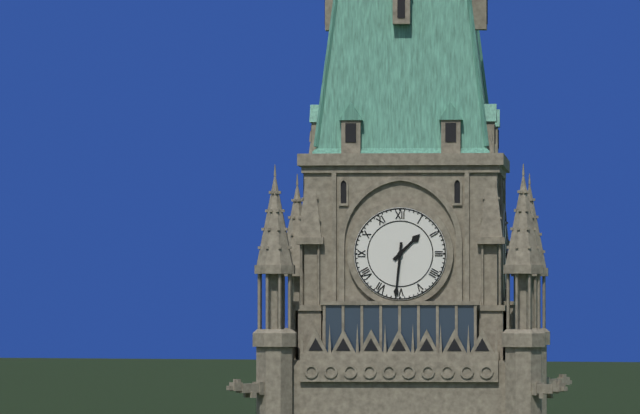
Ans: h=1 m=31
